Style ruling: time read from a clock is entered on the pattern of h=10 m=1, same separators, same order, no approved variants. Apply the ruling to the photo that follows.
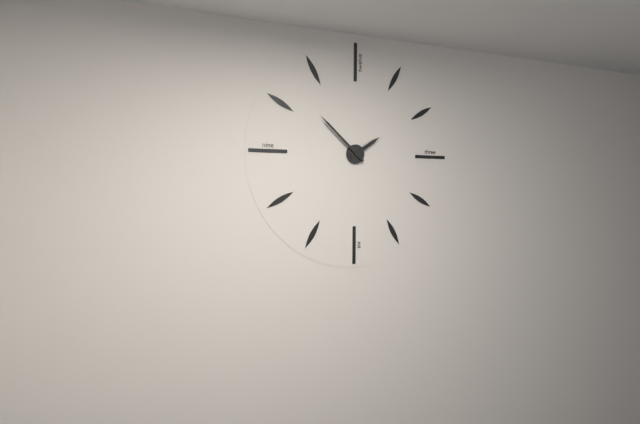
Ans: h=1 m=52
